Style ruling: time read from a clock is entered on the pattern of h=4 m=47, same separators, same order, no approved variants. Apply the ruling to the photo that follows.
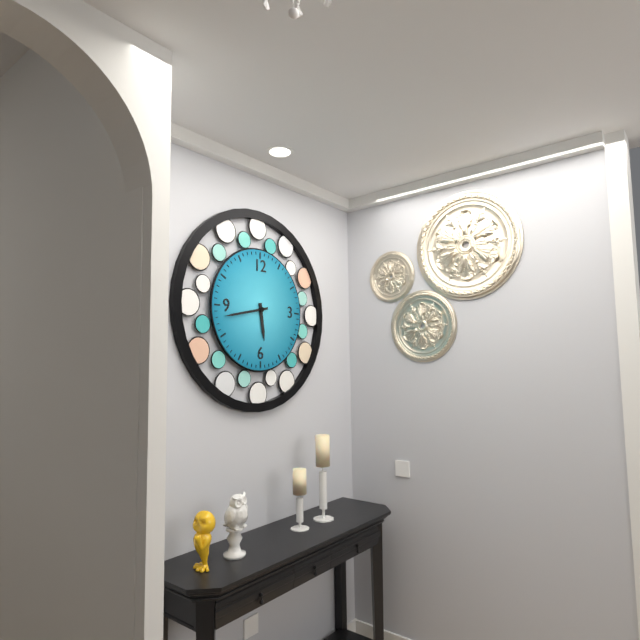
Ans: h=5 m=43
